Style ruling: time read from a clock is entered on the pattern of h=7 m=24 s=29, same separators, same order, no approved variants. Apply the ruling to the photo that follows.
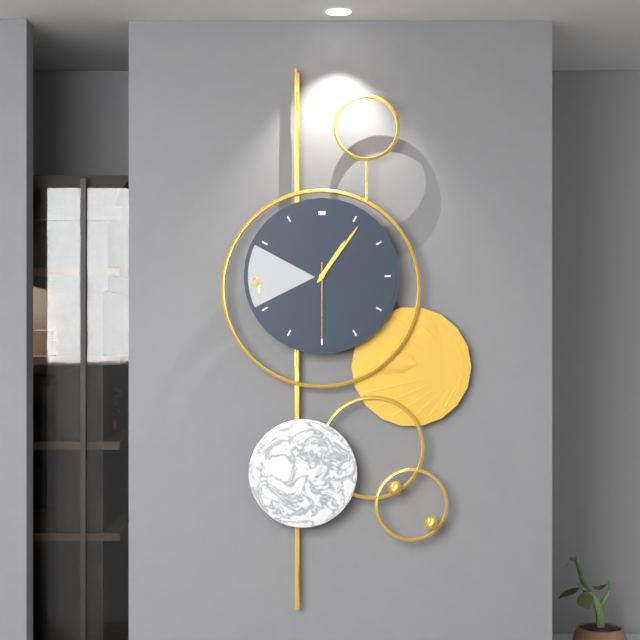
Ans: h=1 m=6 s=30
